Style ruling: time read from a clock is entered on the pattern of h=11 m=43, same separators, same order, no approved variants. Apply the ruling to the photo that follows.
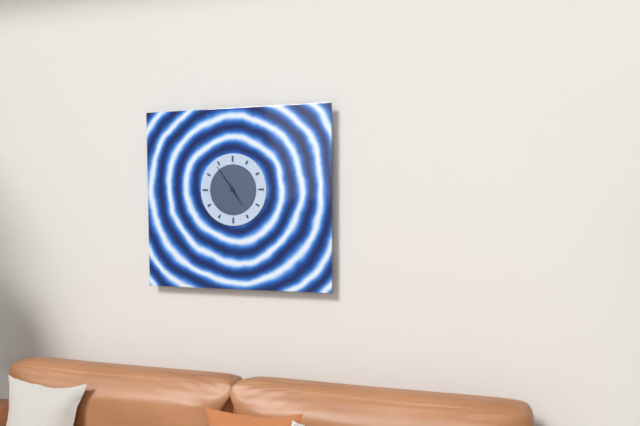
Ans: h=4 m=54
